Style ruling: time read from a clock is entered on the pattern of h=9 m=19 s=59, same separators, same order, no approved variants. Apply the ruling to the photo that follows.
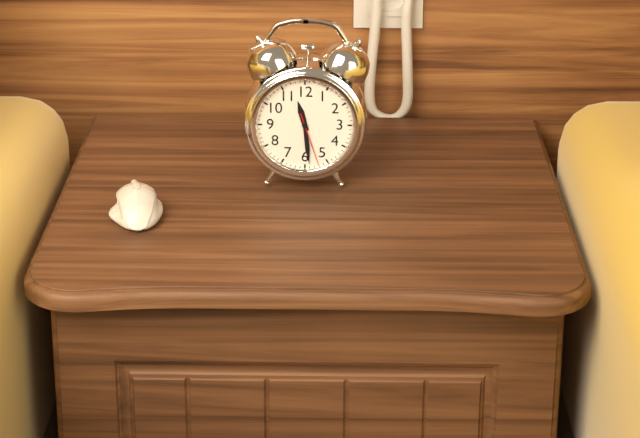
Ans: h=11 m=29 s=27
